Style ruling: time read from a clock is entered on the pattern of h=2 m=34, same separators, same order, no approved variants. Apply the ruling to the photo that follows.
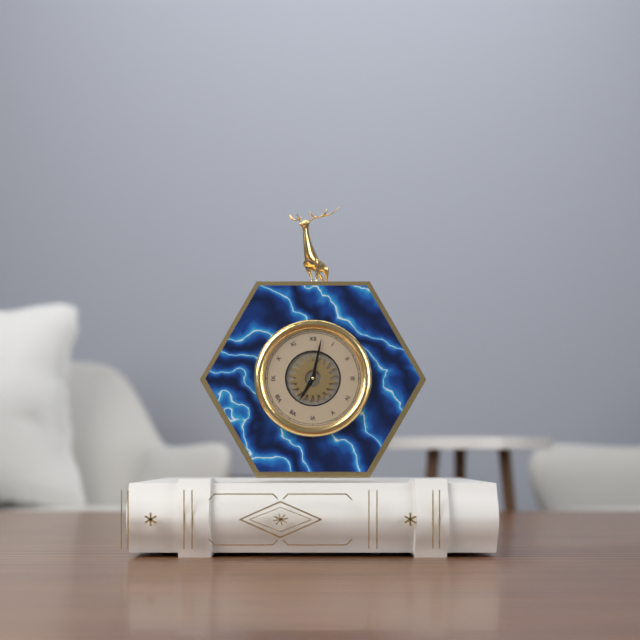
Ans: h=7 m=2
